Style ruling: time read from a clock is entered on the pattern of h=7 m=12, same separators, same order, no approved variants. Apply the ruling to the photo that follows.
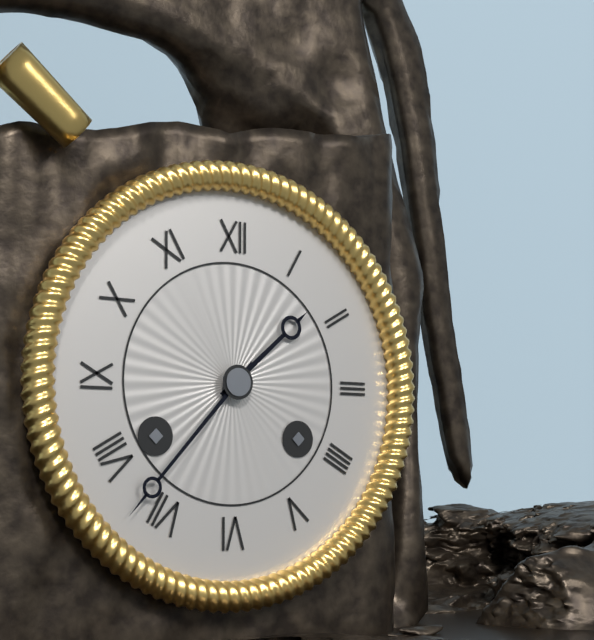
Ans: h=1 m=37
